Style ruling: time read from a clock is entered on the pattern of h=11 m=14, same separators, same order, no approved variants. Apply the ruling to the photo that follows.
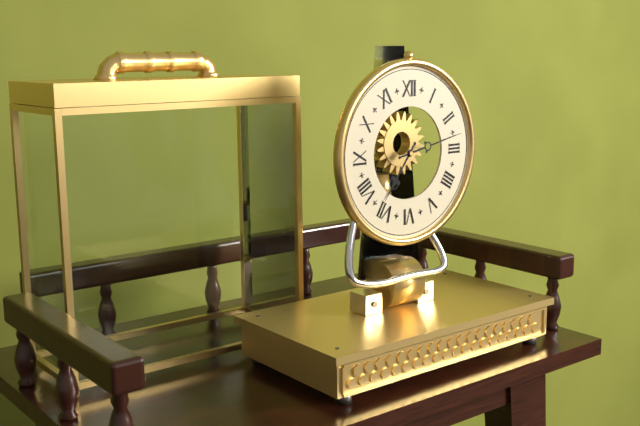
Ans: h=7 m=13
